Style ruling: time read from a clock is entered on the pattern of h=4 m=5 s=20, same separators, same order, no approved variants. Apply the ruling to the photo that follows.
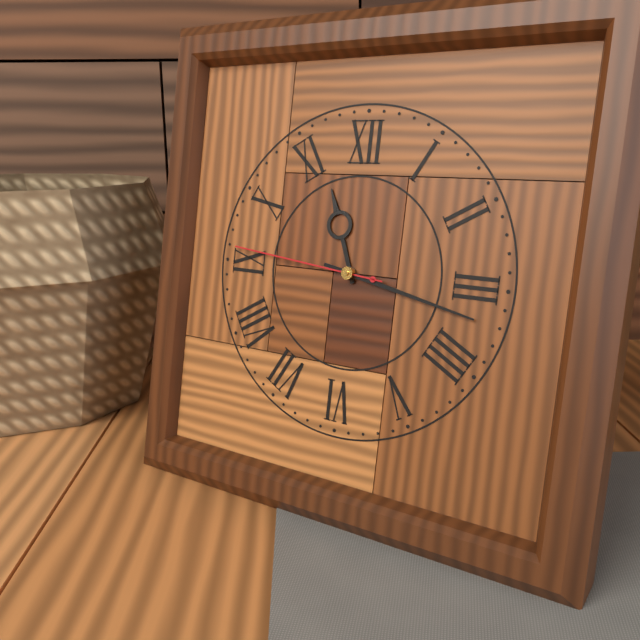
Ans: h=11 m=17 s=46
